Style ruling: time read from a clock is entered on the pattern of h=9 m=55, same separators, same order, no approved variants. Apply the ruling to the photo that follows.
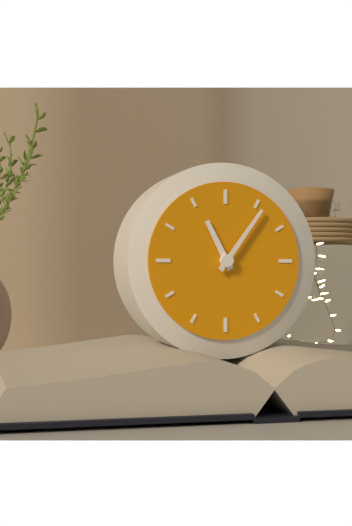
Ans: h=11 m=6
